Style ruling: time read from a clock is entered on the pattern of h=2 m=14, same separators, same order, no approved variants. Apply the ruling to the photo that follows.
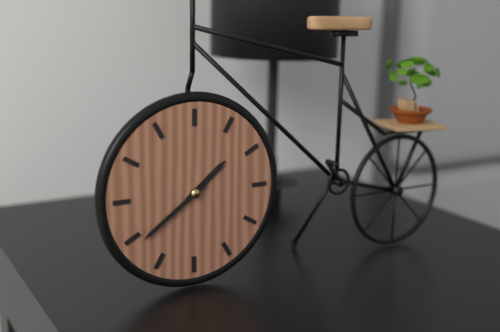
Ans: h=1 m=39
